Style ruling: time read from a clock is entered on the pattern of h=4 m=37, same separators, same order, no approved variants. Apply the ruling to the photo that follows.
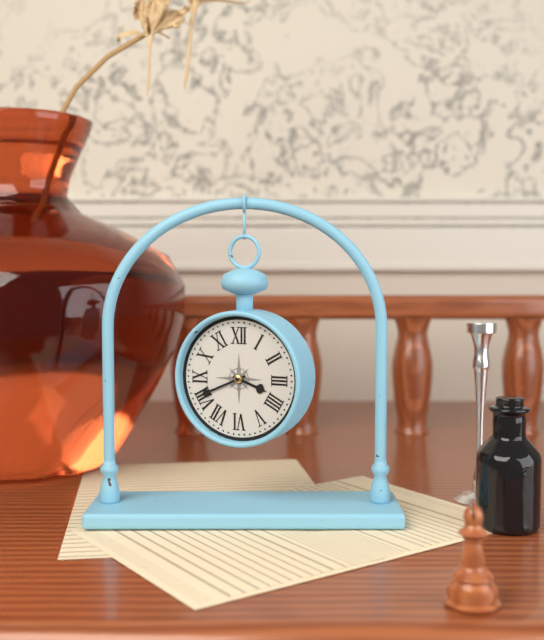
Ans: h=3 m=41
